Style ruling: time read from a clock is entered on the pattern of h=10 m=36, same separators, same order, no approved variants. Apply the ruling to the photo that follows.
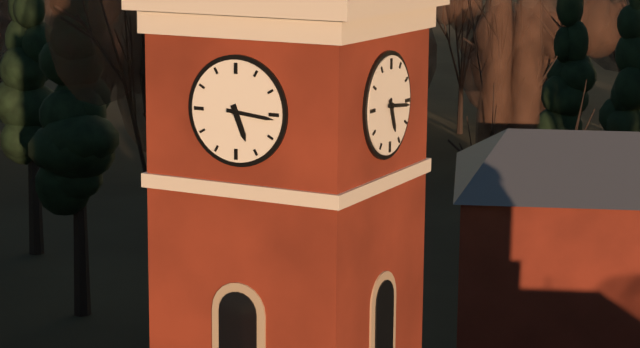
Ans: h=5 m=16
